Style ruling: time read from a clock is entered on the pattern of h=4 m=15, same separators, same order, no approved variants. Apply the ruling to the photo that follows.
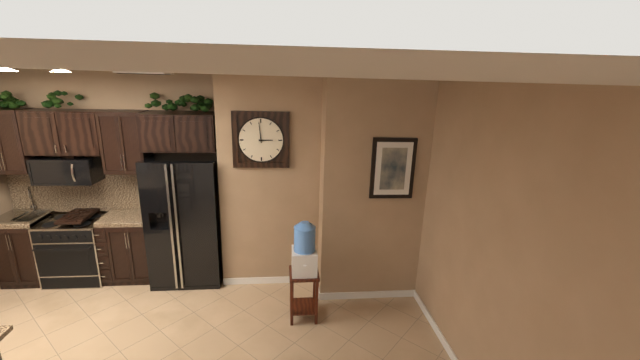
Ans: h=2 m=59
